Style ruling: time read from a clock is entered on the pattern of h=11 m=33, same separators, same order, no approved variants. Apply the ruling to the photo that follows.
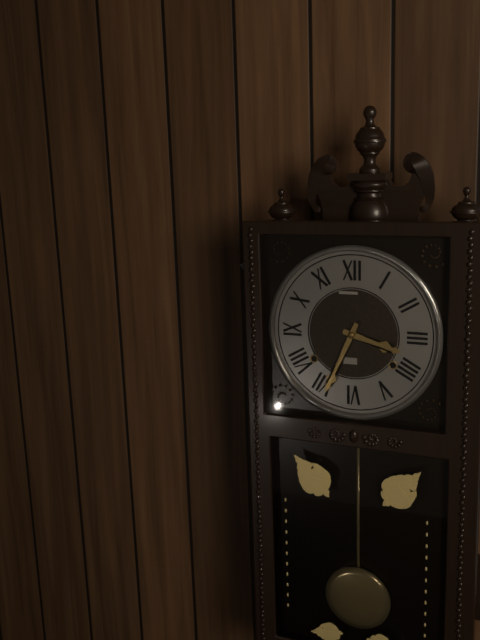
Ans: h=3 m=34
